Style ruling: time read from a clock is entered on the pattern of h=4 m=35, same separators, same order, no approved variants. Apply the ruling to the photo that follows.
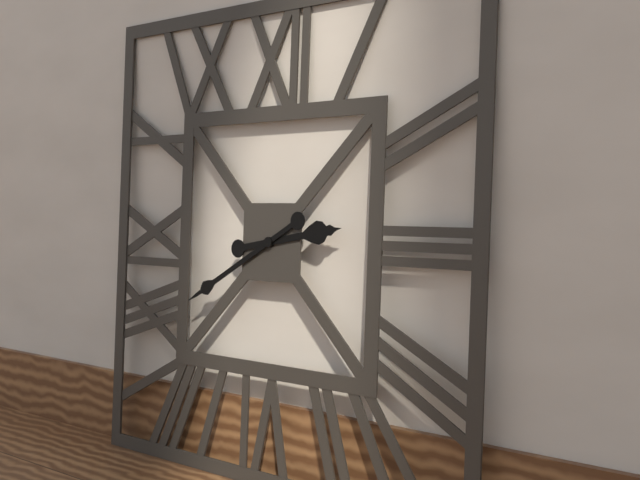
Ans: h=2 m=40
